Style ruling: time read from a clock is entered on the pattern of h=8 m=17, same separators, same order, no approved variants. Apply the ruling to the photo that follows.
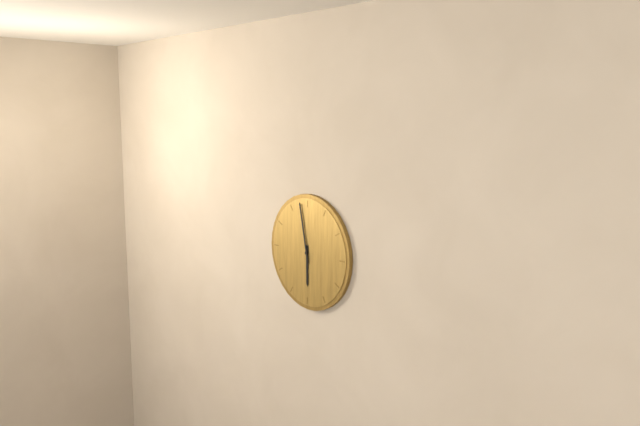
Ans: h=5 m=58
